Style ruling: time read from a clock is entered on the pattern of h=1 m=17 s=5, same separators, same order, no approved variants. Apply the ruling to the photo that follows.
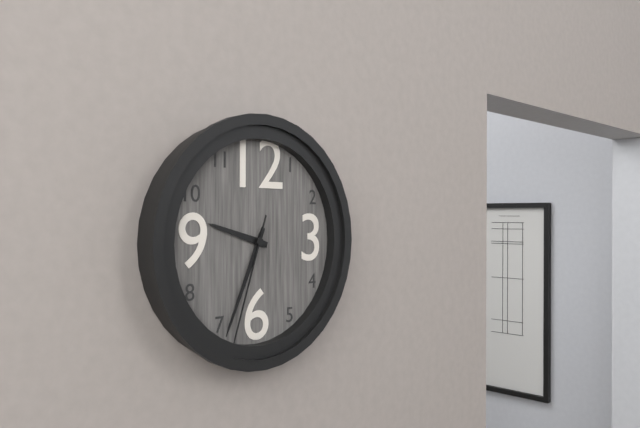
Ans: h=9 m=34 s=33
